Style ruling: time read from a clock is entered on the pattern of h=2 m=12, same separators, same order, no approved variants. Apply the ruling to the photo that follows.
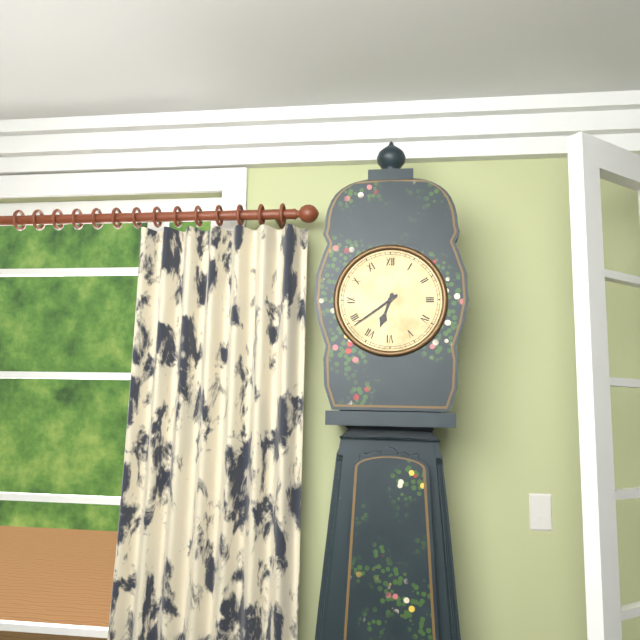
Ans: h=6 m=39
